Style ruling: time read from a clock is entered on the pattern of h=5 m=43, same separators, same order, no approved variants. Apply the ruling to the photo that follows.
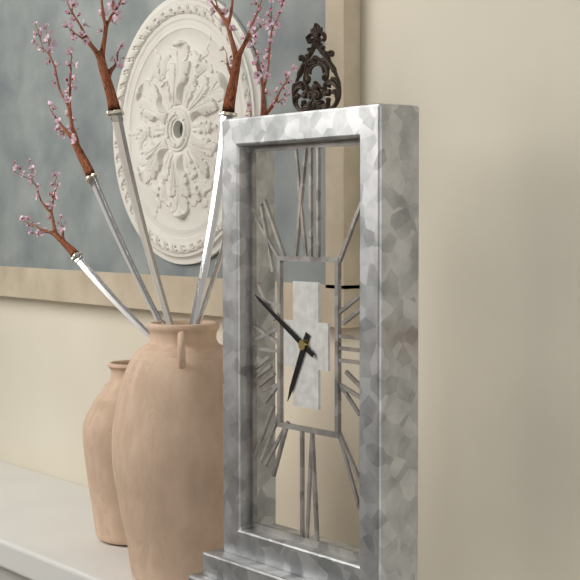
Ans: h=6 m=50
